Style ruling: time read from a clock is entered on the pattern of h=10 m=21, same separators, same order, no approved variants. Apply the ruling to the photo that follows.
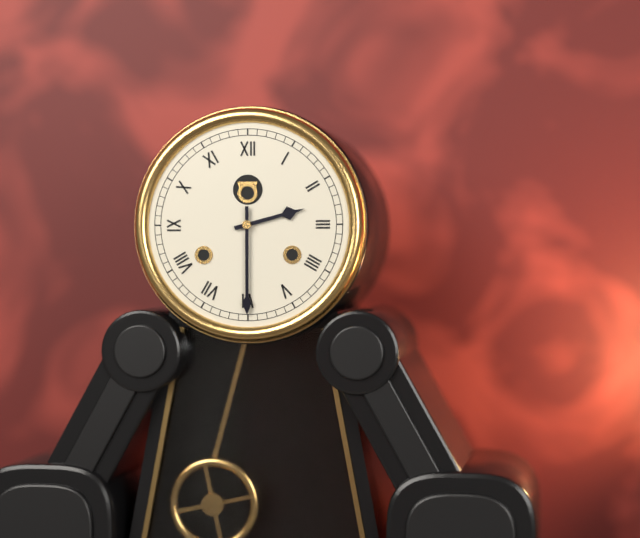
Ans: h=2 m=30
